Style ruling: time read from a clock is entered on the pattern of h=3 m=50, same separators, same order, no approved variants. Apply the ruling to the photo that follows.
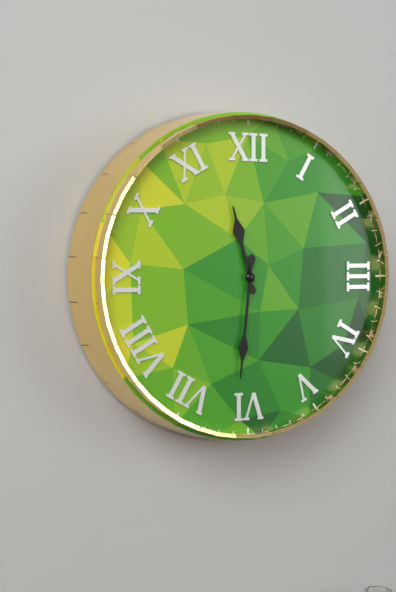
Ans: h=11 m=31
